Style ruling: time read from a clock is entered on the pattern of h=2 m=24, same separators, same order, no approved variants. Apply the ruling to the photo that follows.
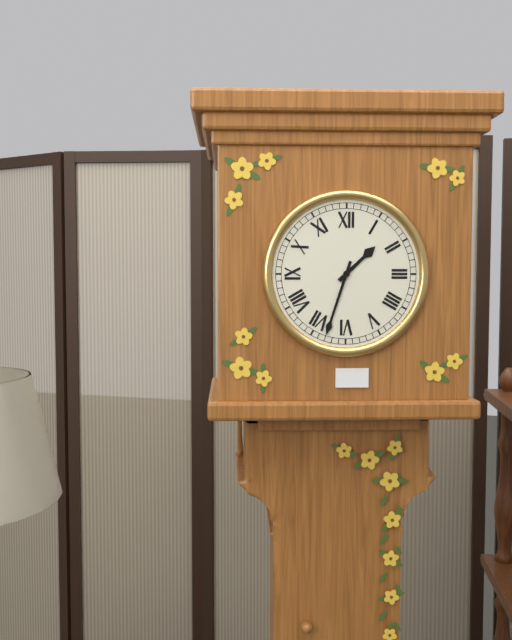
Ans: h=1 m=33
